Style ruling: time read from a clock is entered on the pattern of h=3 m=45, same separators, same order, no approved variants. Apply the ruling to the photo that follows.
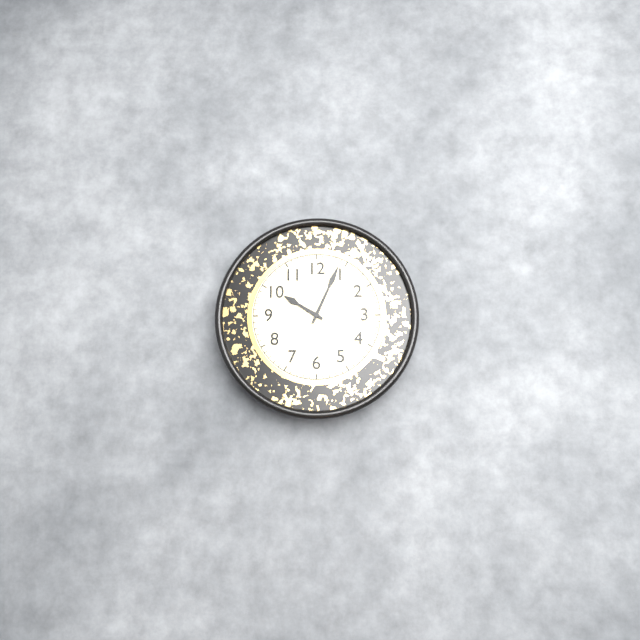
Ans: h=10 m=4
